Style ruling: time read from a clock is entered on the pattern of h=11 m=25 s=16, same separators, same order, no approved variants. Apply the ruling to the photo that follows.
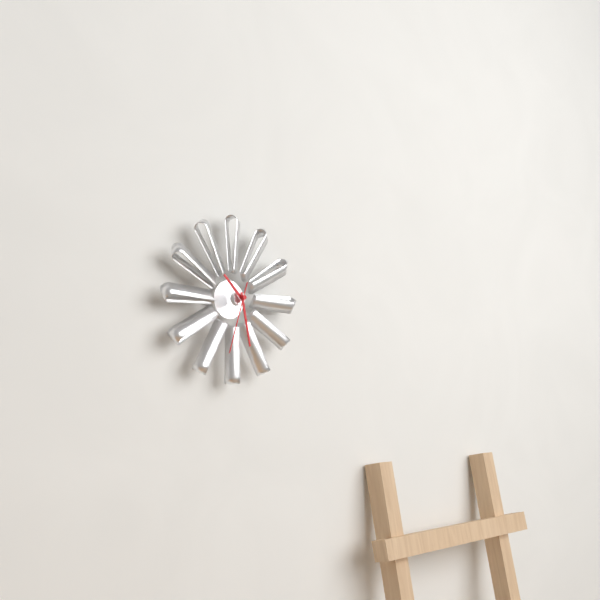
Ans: h=10 m=28 s=33
